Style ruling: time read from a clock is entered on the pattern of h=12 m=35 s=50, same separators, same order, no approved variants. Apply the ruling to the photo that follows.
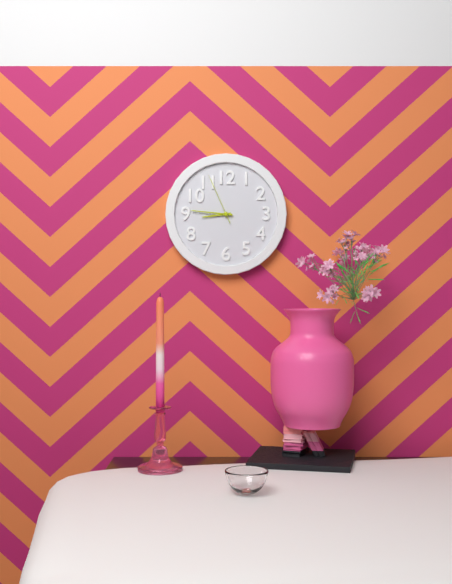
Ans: h=8 m=46 s=56
